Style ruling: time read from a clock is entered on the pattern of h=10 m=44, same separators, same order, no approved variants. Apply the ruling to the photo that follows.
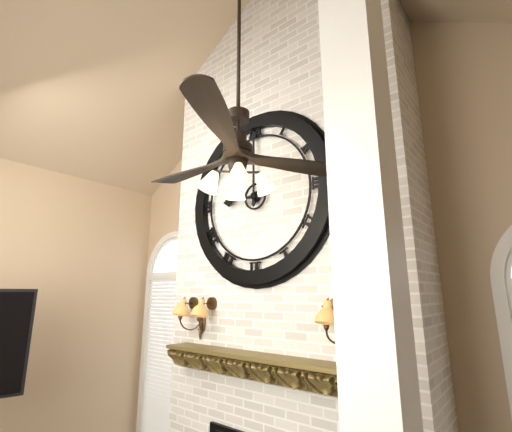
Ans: h=9 m=0
